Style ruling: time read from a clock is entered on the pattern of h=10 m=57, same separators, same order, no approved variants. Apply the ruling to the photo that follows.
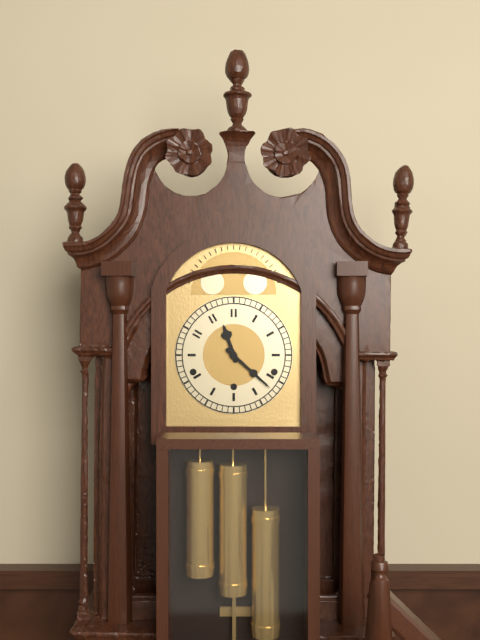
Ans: h=11 m=22
